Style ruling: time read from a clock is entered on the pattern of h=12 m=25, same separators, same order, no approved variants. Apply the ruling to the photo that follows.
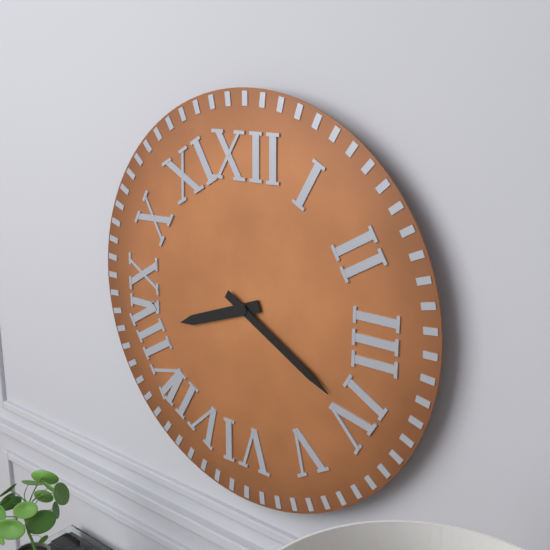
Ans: h=8 m=20
